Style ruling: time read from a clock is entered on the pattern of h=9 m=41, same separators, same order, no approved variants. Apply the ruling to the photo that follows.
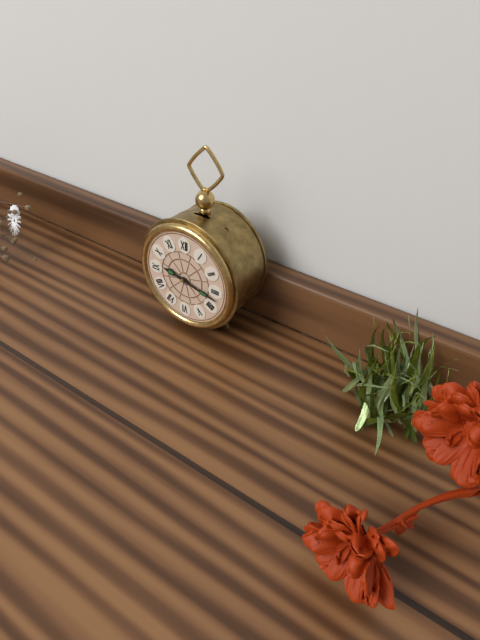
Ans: h=9 m=17
